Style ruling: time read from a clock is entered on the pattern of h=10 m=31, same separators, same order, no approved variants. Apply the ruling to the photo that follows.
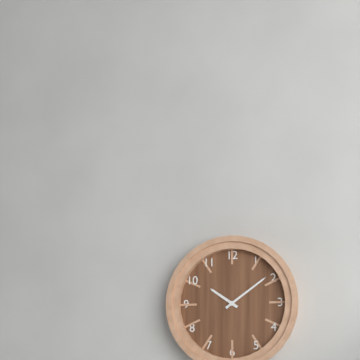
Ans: h=10 m=9
